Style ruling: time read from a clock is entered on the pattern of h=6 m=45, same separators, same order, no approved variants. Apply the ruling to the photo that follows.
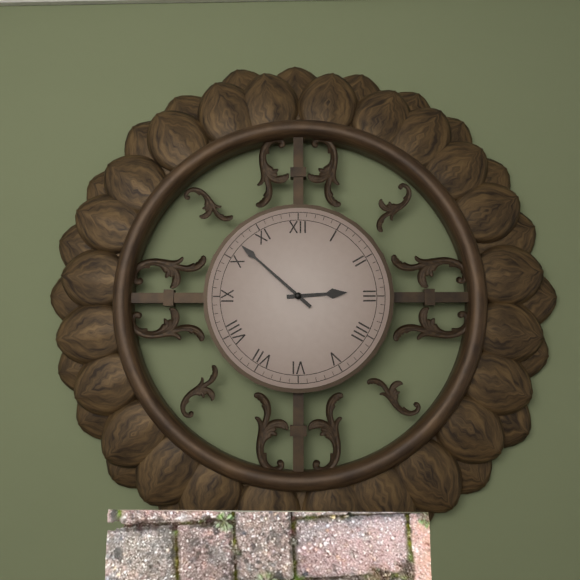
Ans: h=2 m=52
